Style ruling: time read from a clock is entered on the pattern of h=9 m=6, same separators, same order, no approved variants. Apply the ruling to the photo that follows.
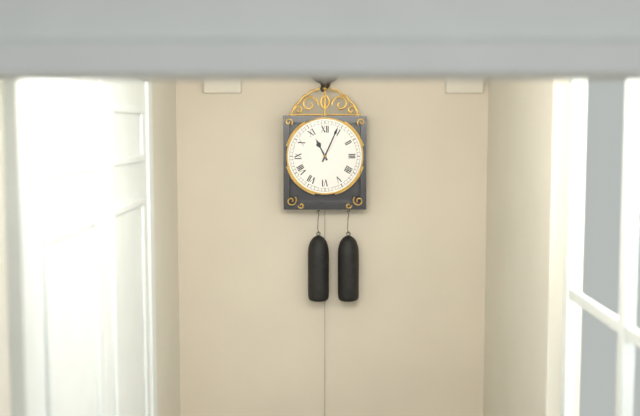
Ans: h=11 m=4
